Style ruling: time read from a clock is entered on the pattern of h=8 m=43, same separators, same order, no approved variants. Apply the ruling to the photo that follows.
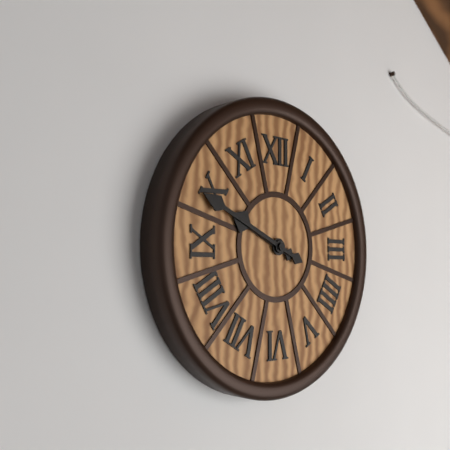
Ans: h=9 m=49
